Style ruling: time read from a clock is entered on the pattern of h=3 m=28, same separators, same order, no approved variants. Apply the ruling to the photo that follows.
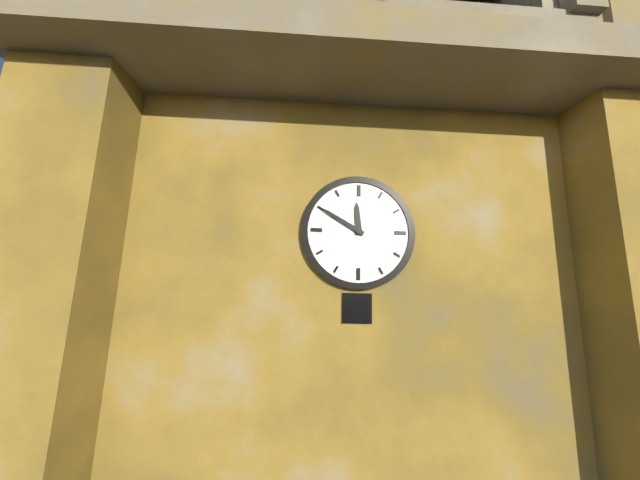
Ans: h=11 m=50
